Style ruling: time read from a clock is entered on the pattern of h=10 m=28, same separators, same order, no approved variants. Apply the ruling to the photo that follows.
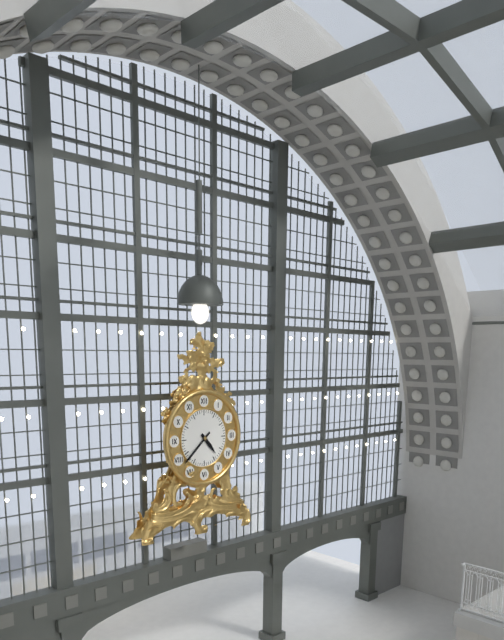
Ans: h=4 m=38
